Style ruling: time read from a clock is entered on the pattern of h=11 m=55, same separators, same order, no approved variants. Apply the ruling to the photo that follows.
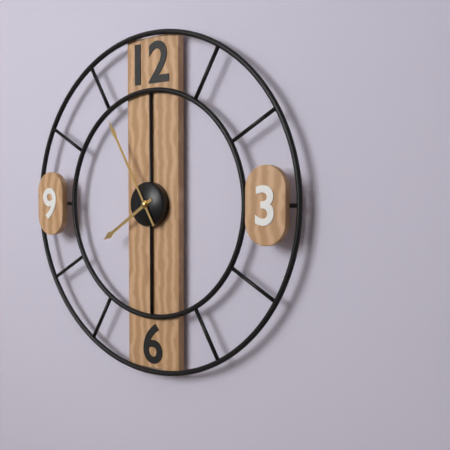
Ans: h=7 m=55
